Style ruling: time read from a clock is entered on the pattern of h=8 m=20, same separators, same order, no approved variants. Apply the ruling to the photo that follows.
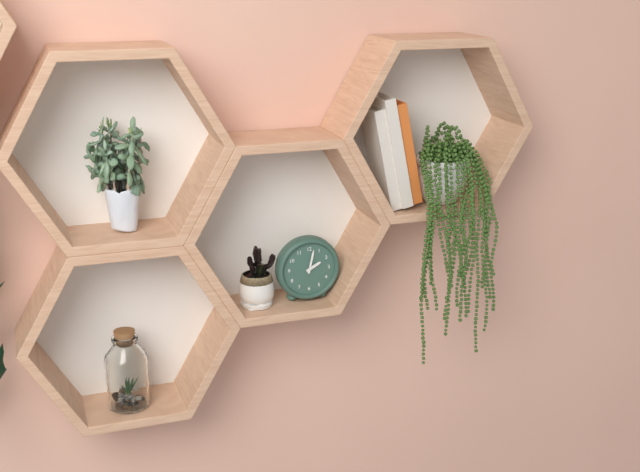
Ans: h=2 m=2
